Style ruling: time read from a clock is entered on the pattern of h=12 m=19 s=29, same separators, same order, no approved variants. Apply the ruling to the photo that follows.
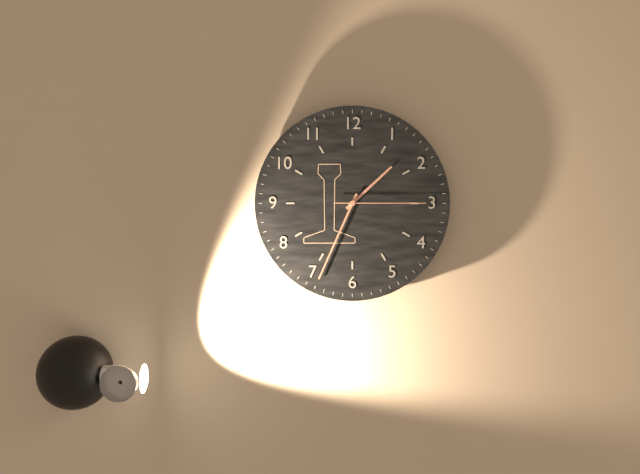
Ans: h=1 m=34 s=15
